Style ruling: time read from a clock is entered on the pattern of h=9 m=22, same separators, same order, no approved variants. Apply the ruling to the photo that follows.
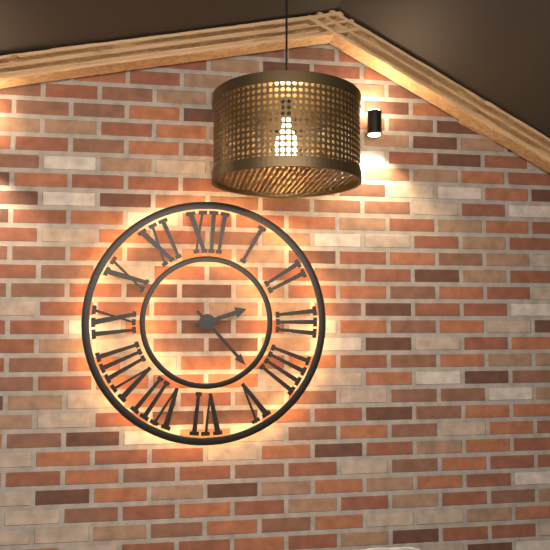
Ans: h=2 m=23
